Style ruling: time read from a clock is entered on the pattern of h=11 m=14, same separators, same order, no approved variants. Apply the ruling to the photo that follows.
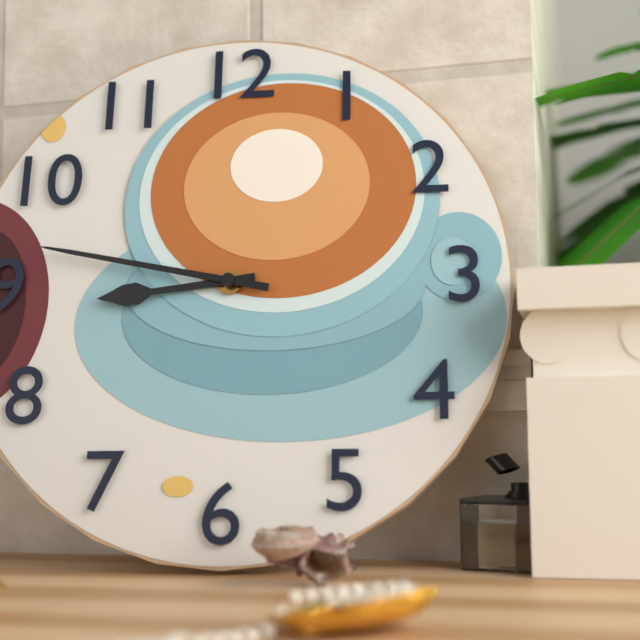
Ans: h=8 m=47
